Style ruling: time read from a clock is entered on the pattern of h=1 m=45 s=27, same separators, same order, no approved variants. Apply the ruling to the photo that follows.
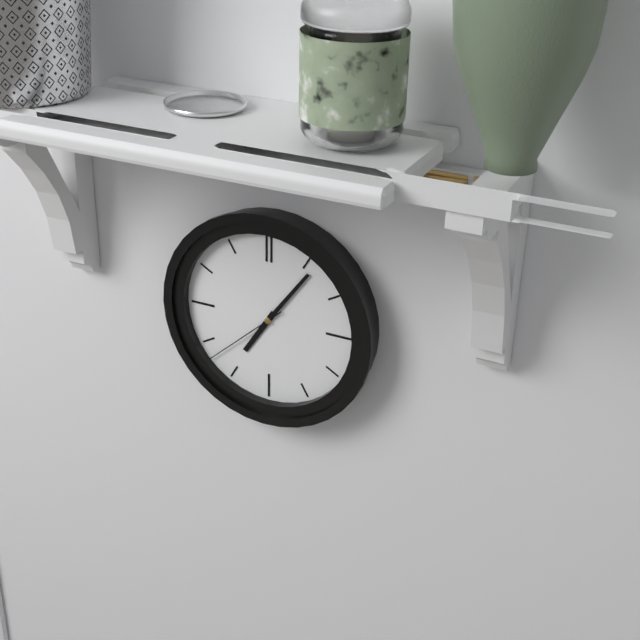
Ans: h=7 m=6 s=38
